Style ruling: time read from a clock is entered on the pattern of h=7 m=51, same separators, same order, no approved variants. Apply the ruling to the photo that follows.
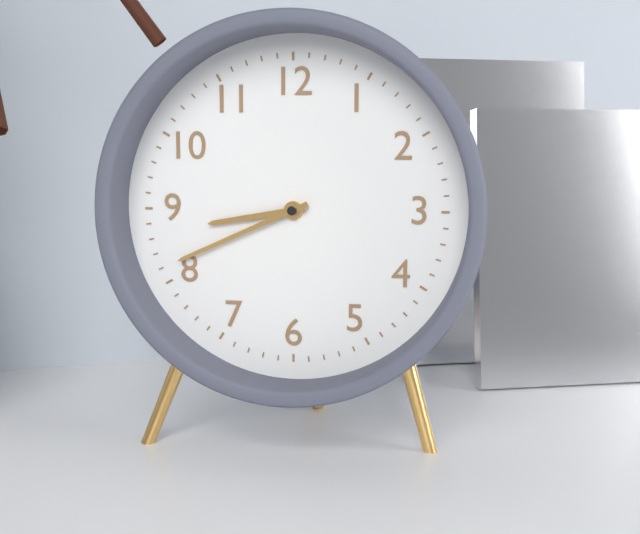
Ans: h=8 m=41
